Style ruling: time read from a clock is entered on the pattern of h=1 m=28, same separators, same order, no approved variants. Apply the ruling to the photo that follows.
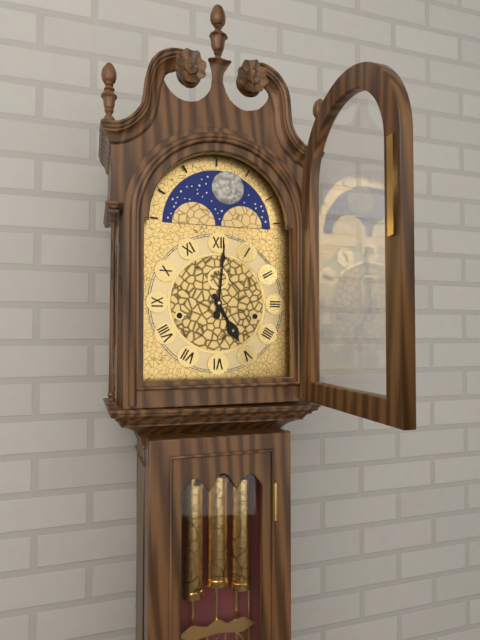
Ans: h=5 m=1
